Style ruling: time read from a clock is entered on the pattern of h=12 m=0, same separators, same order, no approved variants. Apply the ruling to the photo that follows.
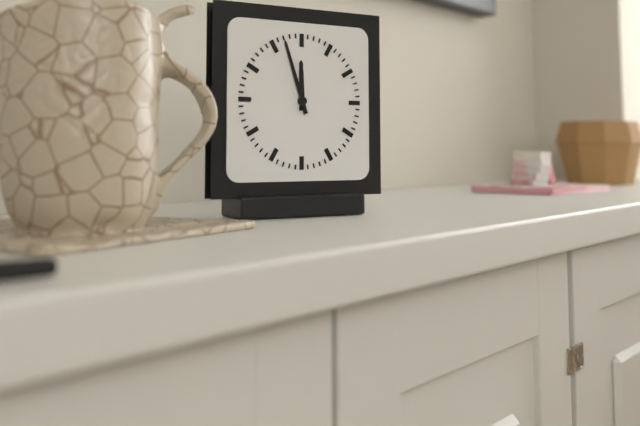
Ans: h=11 m=57
